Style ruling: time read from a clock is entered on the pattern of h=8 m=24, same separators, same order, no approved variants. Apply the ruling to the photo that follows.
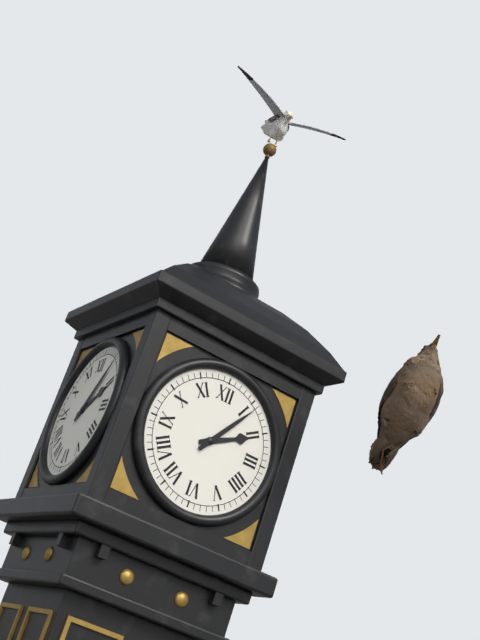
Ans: h=2 m=6
